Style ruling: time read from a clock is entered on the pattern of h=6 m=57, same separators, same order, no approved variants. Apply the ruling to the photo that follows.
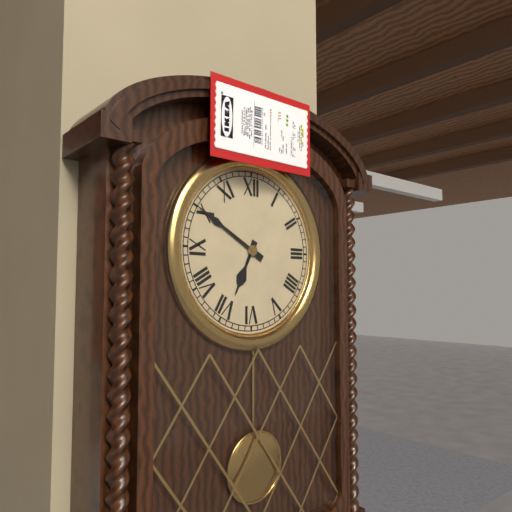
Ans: h=6 m=50
